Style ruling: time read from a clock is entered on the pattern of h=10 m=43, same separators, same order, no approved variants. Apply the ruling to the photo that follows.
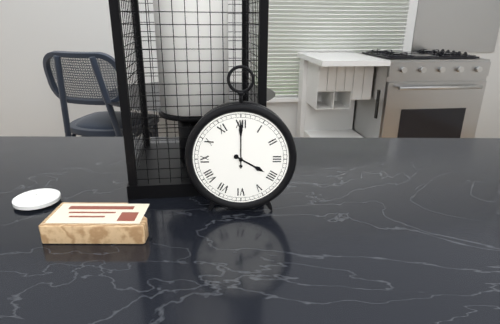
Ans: h=4 m=0
